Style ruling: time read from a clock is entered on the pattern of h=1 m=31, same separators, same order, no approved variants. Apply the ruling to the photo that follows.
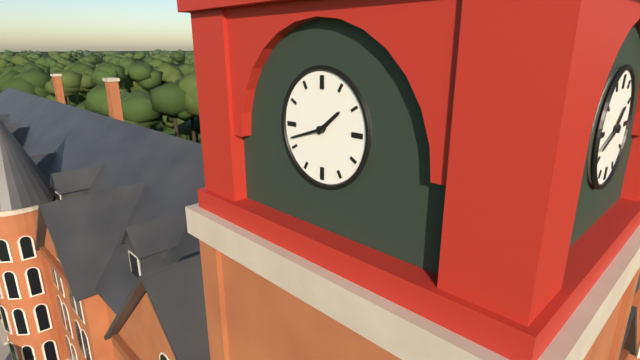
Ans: h=1 m=42
